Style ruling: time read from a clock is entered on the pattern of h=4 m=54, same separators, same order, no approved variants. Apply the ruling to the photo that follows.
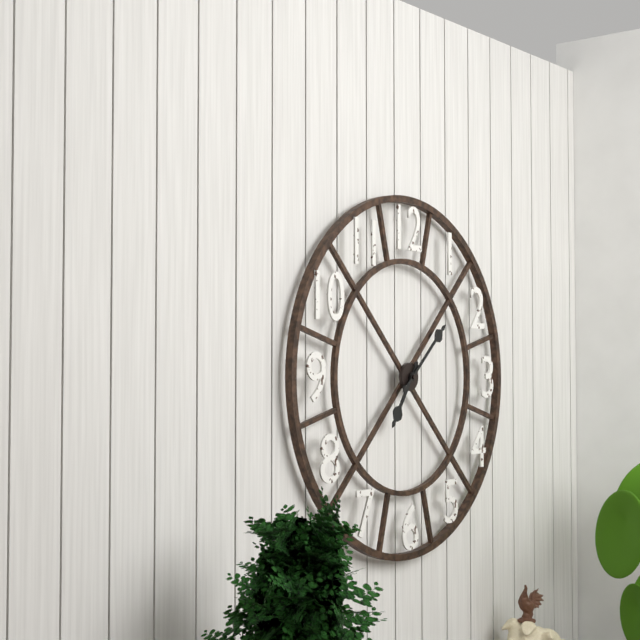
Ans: h=7 m=8
